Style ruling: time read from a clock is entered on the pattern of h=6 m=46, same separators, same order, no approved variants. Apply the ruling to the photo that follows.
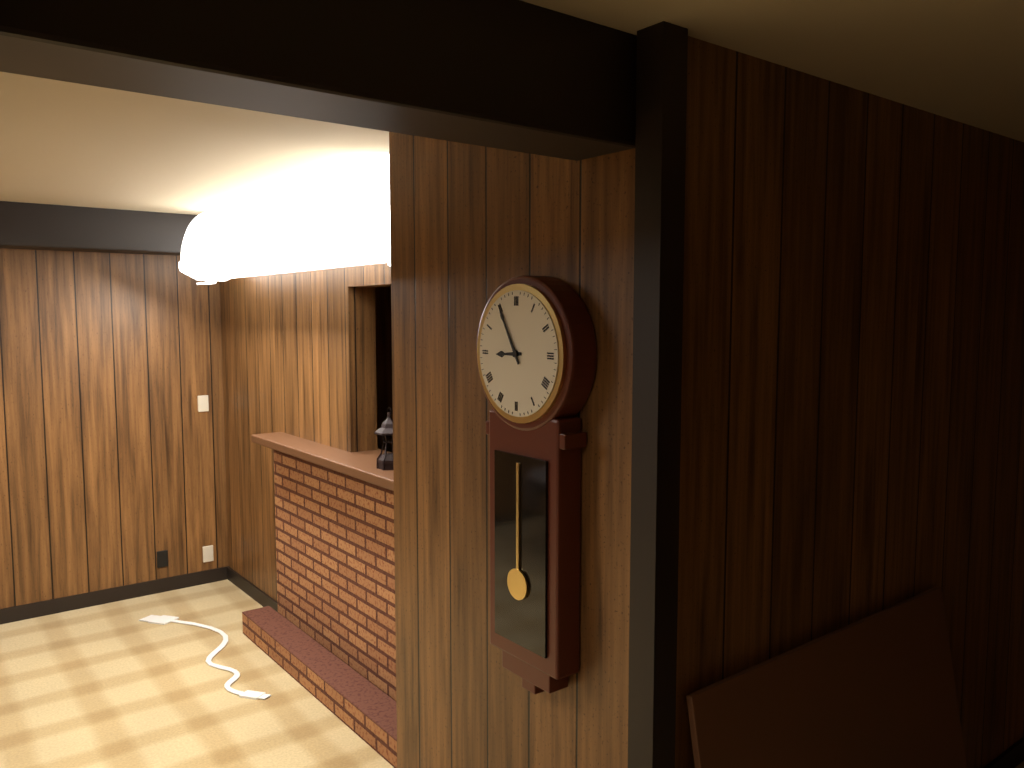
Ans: h=8 m=55
